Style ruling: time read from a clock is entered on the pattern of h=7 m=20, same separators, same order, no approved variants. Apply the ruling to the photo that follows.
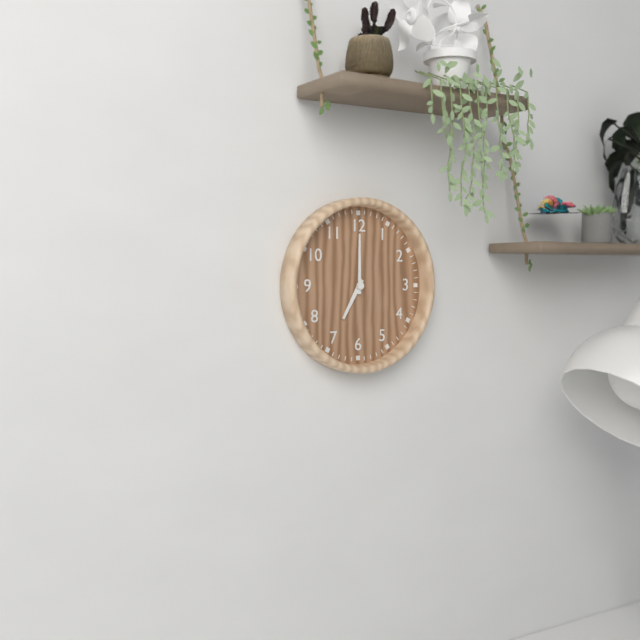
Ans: h=7 m=0
